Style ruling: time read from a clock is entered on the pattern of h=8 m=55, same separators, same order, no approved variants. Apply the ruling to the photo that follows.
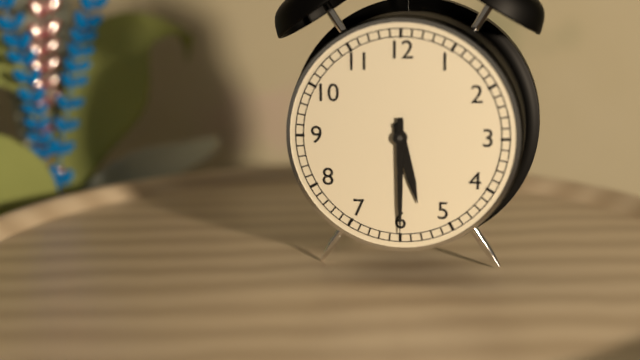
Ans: h=5 m=30
